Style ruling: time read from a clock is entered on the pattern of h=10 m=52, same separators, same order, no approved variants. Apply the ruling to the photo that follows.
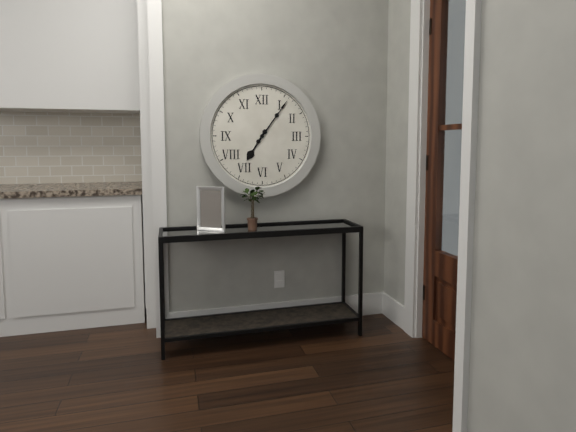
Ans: h=7 m=6
